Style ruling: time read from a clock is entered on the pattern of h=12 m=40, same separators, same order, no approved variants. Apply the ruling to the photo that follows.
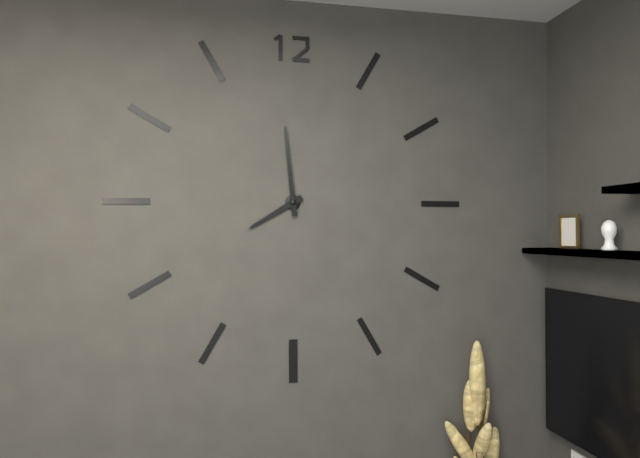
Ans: h=7 m=59
